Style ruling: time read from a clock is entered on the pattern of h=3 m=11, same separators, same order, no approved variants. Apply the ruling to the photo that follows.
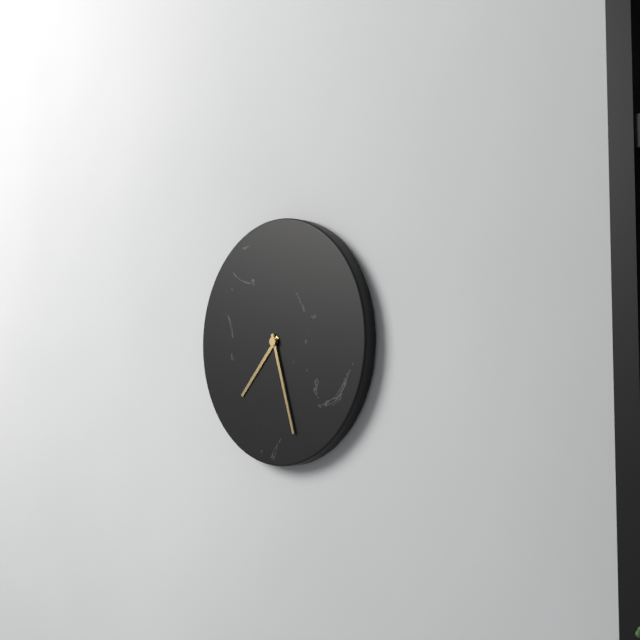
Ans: h=7 m=27
